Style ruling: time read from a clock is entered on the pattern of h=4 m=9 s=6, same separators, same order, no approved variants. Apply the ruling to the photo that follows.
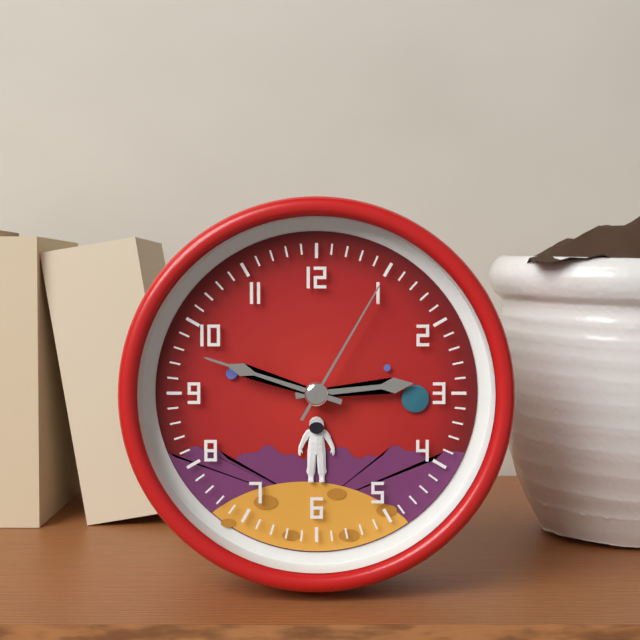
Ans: h=2 m=48 s=5
